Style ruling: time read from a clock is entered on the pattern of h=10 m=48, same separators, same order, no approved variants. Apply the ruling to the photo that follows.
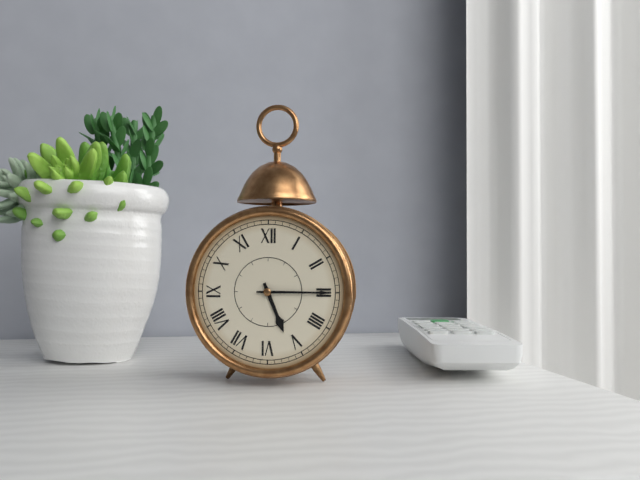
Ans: h=5 m=15
